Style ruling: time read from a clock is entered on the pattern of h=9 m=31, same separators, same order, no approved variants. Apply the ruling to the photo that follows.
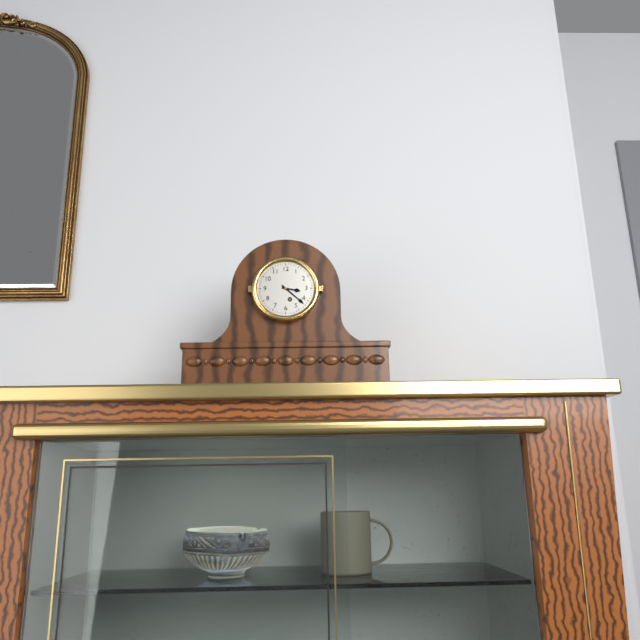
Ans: h=3 m=22
